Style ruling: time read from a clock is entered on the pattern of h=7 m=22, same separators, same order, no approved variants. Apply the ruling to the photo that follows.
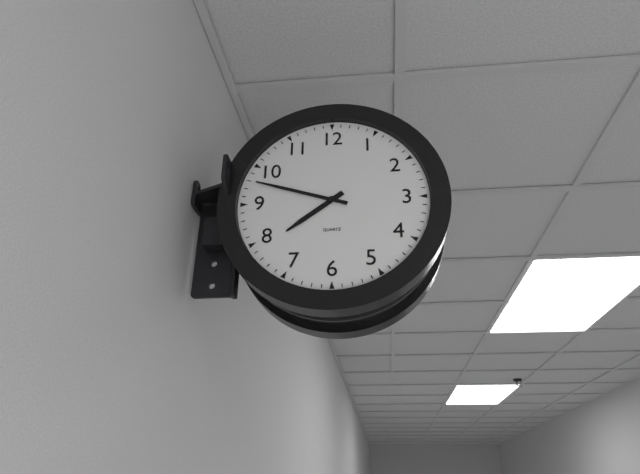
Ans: h=7 m=48
